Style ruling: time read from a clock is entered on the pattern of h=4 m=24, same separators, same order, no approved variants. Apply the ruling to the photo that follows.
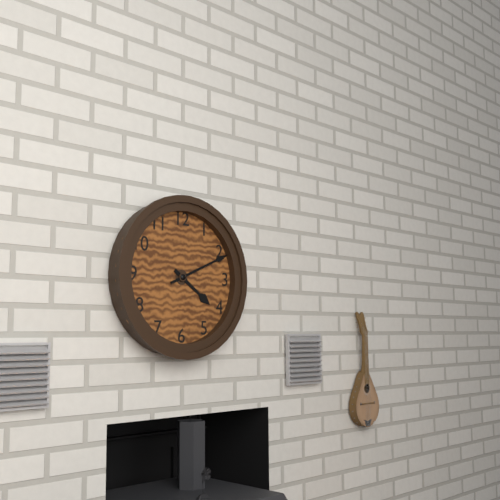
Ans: h=4 m=11
